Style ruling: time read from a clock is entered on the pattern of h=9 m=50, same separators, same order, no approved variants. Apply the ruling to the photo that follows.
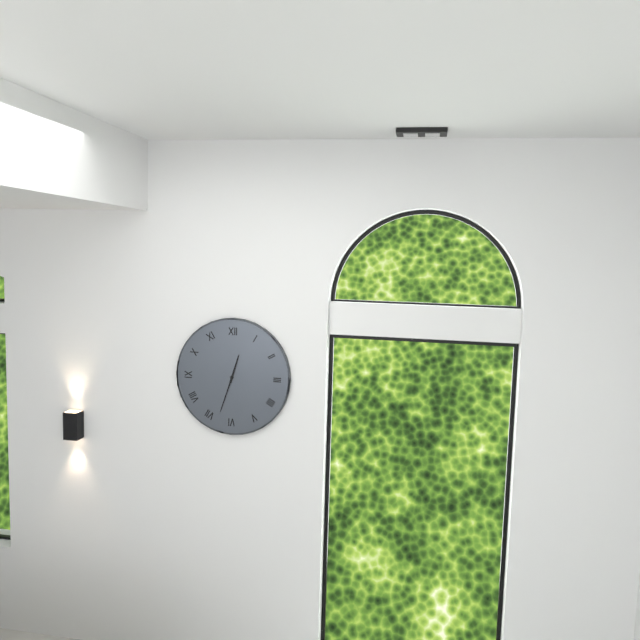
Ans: h=12 m=33
